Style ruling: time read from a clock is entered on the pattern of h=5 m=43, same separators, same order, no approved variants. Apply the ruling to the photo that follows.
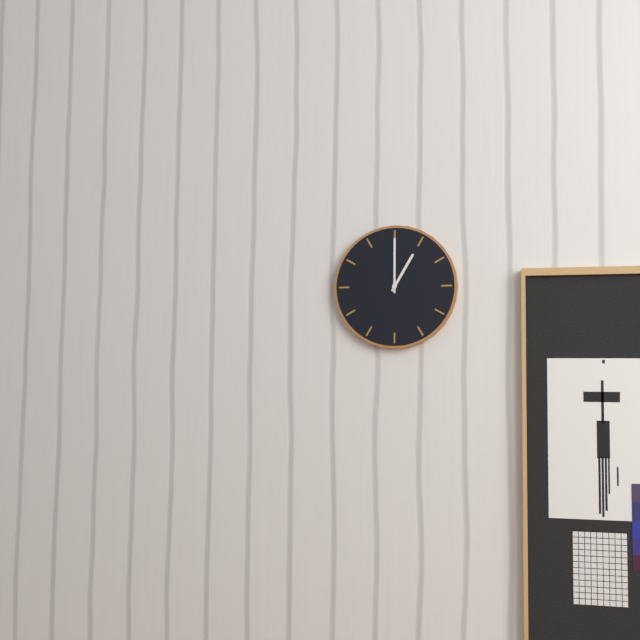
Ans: h=1 m=0
